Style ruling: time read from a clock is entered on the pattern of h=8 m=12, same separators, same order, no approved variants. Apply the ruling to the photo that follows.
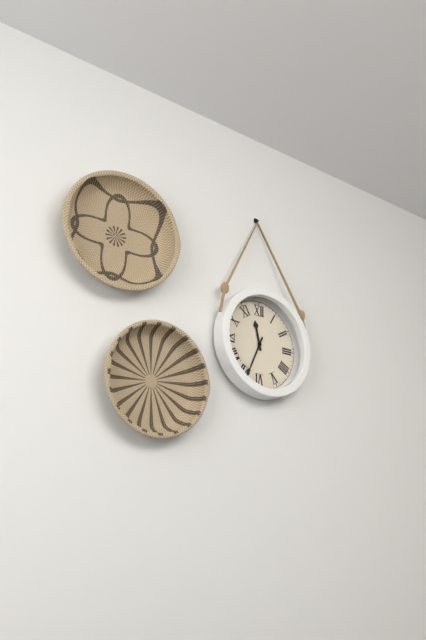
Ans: h=11 m=34
